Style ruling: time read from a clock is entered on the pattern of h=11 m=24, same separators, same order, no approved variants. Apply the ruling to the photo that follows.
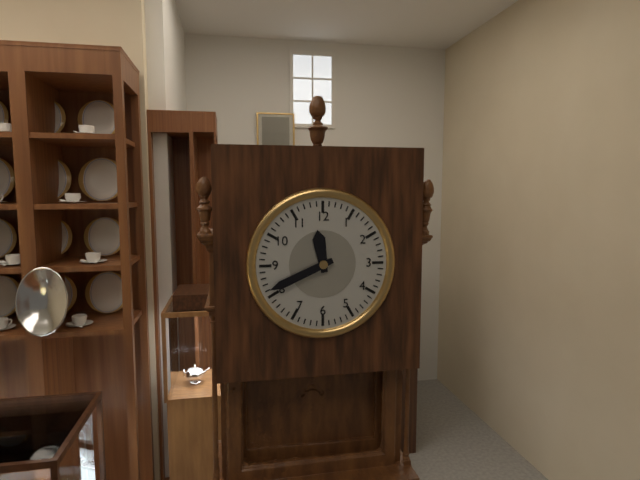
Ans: h=11 m=41
